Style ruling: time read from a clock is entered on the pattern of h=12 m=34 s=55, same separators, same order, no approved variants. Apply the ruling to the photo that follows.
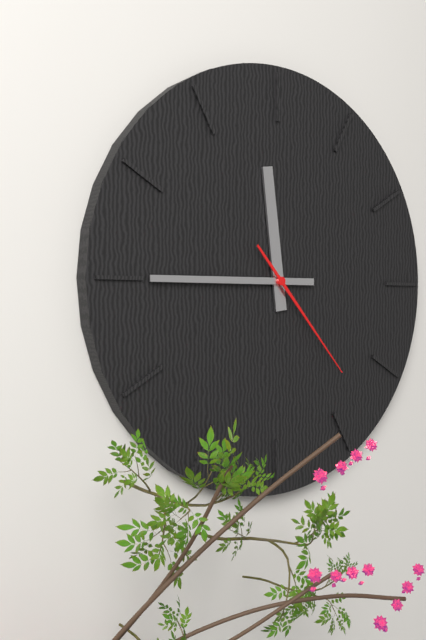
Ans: h=11 m=45 s=23
